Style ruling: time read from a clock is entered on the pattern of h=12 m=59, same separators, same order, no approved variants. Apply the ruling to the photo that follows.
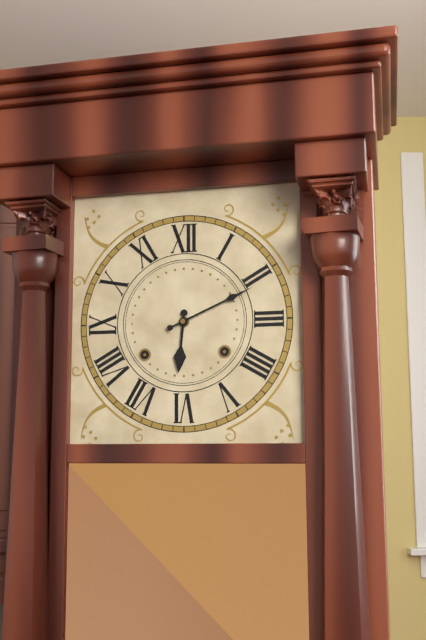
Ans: h=6 m=11
